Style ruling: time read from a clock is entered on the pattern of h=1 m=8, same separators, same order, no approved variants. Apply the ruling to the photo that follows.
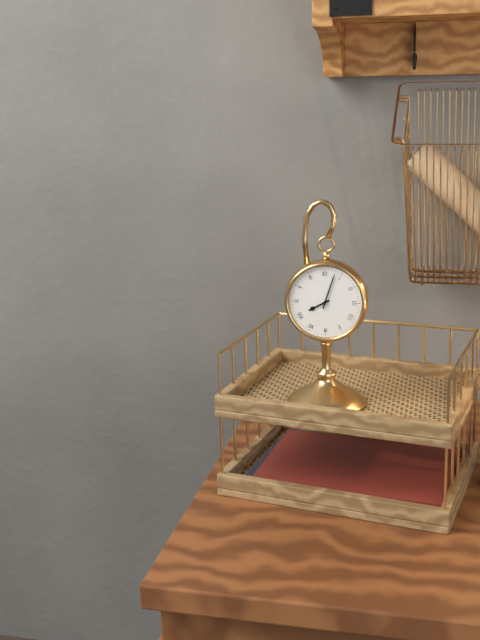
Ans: h=8 m=3
